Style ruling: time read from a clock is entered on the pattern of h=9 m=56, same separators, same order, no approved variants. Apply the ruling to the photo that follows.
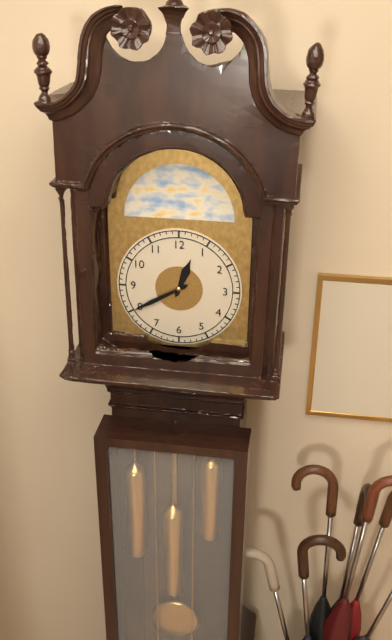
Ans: h=12 m=40
